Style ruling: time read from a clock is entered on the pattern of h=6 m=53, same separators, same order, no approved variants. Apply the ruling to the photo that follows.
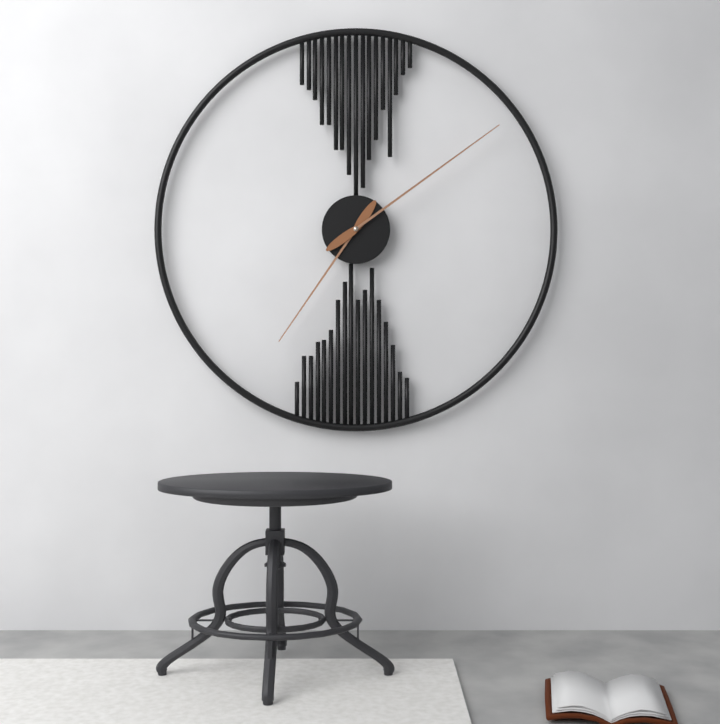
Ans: h=7 m=9
